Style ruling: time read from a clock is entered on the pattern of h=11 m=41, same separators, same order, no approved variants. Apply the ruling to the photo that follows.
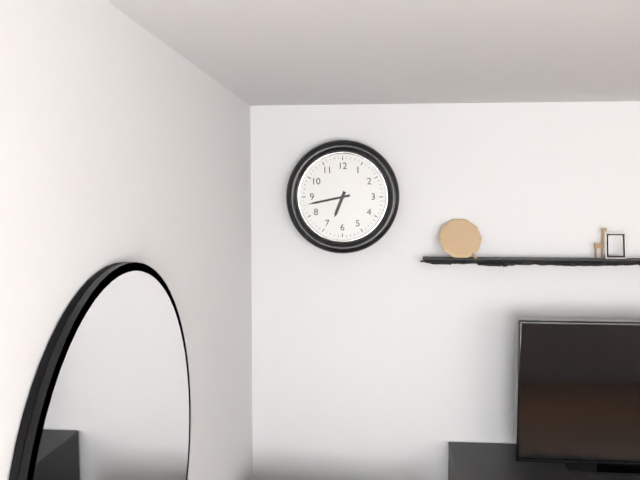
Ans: h=6 m=43
